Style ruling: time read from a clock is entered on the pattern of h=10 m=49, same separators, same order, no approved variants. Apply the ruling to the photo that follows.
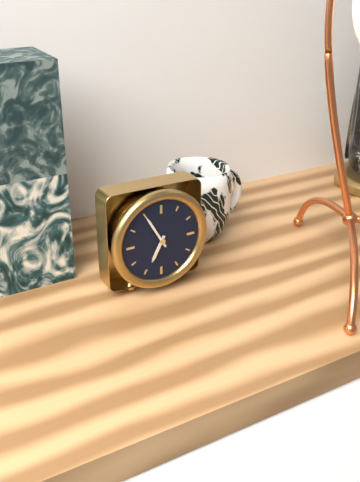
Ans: h=6 m=55
